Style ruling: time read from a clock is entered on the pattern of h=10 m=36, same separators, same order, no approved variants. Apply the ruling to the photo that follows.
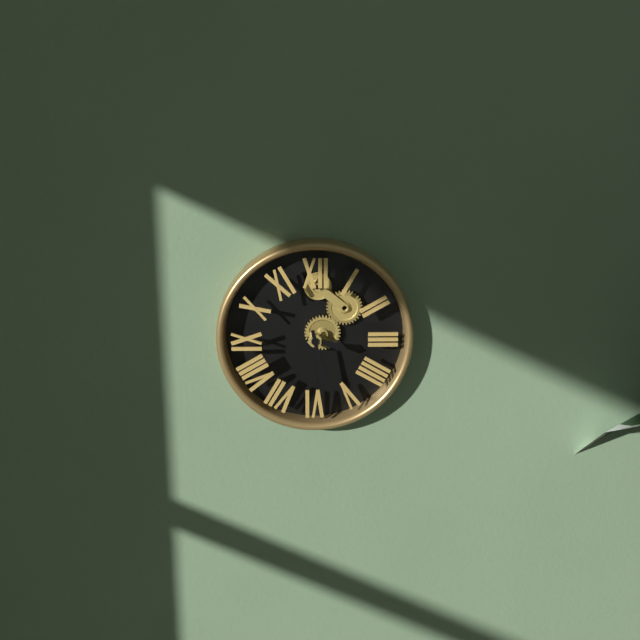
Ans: h=3 m=28
